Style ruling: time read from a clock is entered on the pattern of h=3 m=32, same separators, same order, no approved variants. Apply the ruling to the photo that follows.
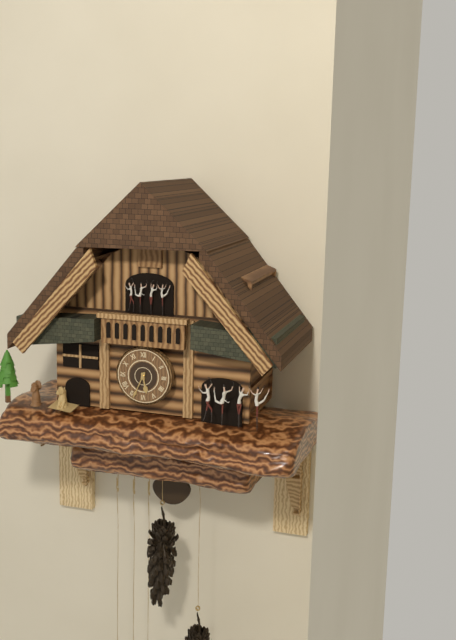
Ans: h=5 m=34
